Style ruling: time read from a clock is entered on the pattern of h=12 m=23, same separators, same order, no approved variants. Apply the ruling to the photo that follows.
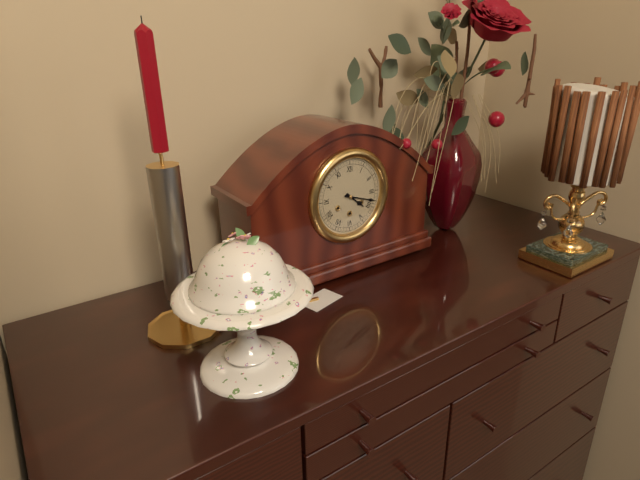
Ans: h=4 m=18
